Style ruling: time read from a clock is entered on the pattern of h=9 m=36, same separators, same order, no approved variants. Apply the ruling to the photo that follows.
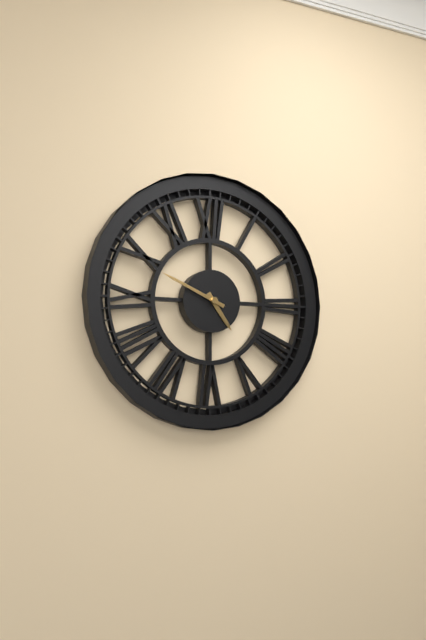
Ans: h=4 m=49
